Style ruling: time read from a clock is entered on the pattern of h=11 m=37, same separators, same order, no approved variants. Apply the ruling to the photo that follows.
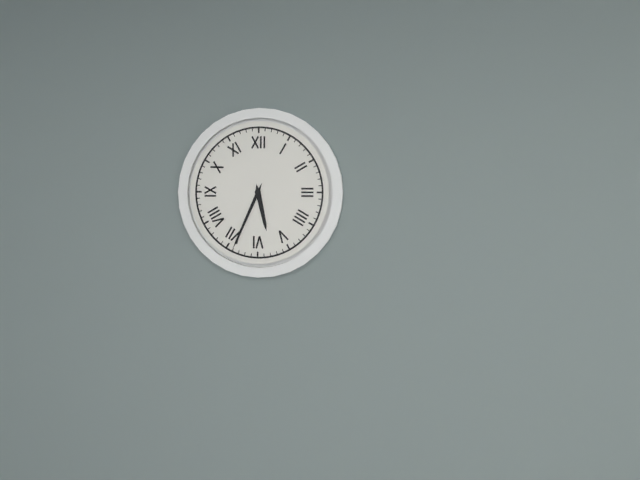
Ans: h=5 m=34
